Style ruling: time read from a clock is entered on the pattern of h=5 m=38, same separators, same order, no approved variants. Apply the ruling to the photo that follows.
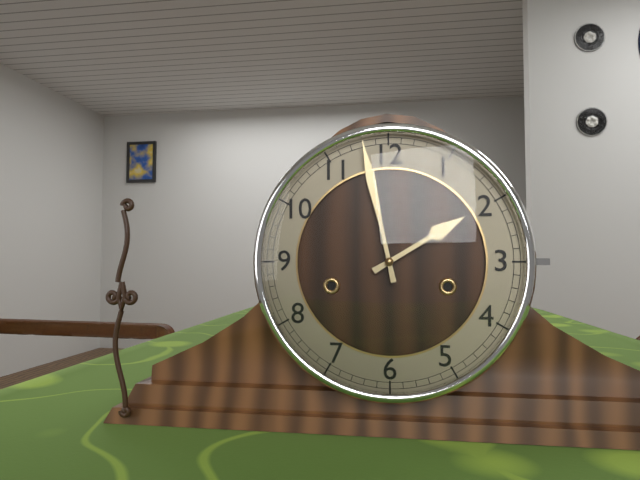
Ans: h=1 m=58
